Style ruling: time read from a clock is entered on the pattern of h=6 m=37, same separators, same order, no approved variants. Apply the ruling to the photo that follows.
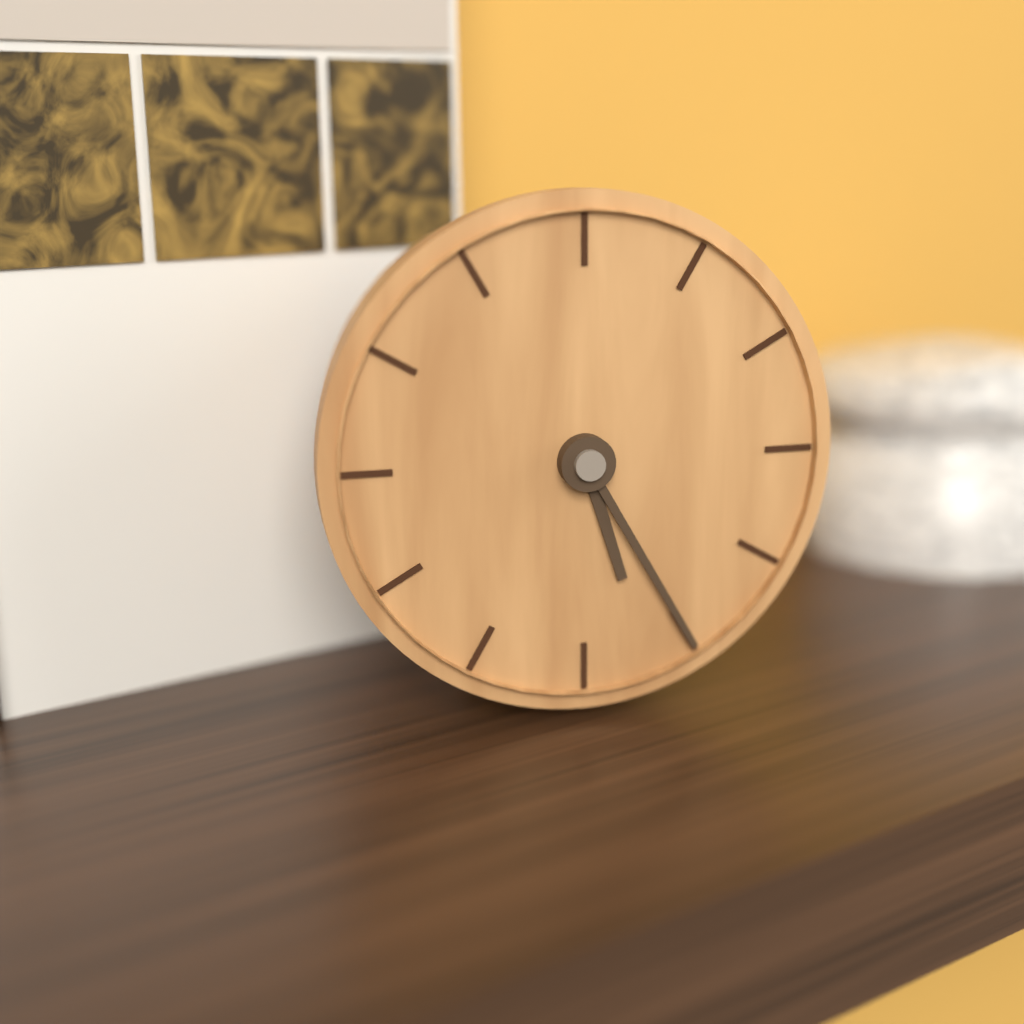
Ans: h=5 m=25
